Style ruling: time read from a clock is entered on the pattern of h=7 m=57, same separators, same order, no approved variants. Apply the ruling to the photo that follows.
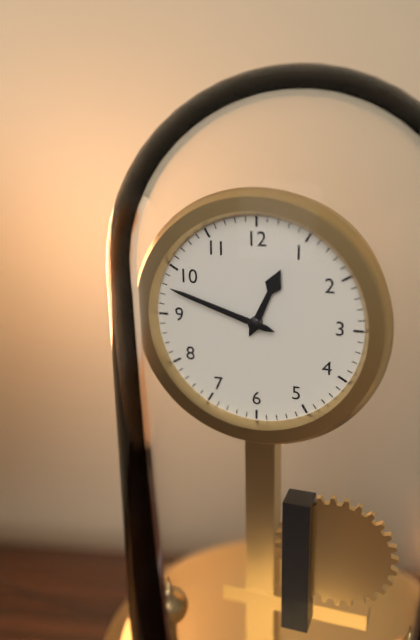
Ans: h=12 m=48
